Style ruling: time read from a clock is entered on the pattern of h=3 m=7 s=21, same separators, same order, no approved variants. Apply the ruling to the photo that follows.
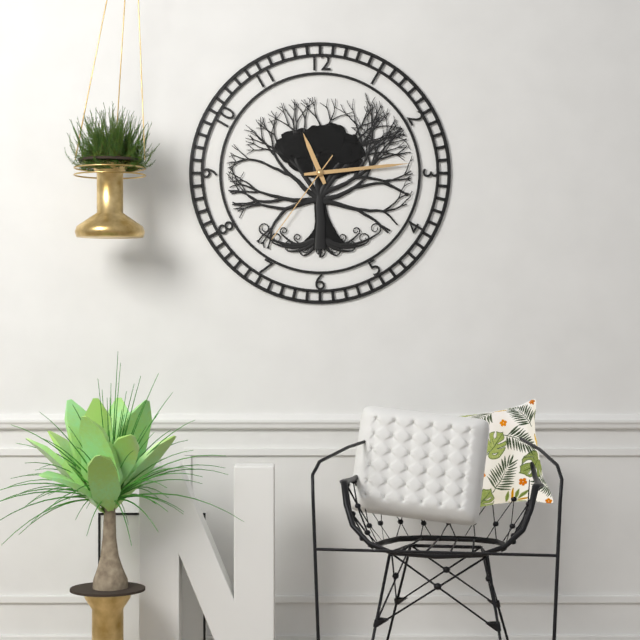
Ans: h=11 m=14 s=36
